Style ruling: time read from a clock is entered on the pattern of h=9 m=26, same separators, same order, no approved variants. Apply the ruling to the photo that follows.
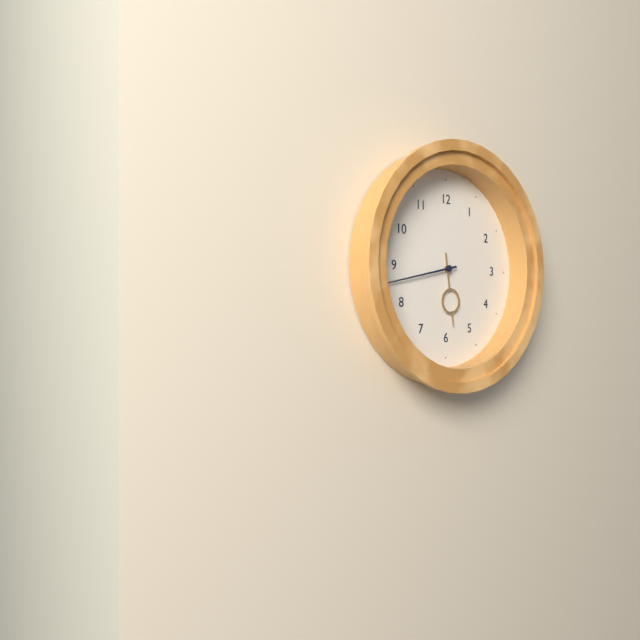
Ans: h=5 m=43
